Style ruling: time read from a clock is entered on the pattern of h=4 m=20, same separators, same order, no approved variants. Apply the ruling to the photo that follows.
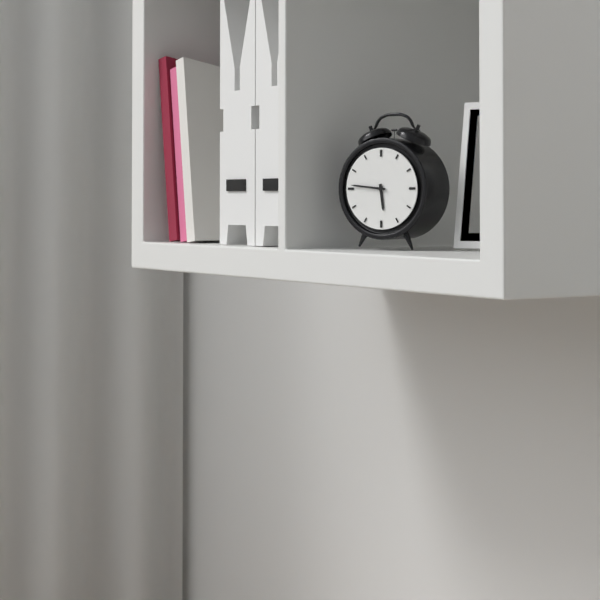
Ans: h=5 m=46
